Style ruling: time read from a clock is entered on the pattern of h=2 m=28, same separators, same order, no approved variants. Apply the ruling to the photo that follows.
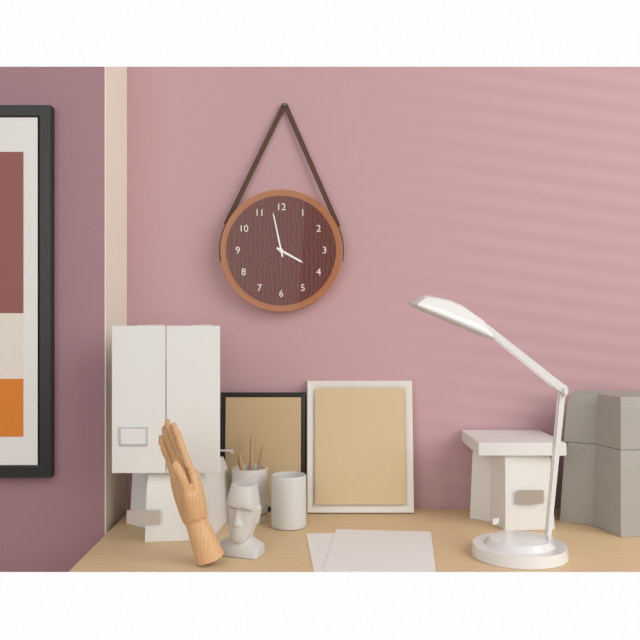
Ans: h=3 m=58
